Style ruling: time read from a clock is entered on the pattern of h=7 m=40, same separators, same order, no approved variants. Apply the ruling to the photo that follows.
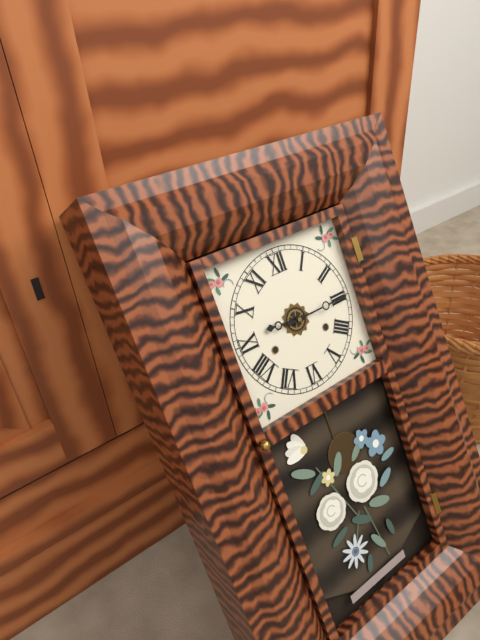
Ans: h=9 m=15
